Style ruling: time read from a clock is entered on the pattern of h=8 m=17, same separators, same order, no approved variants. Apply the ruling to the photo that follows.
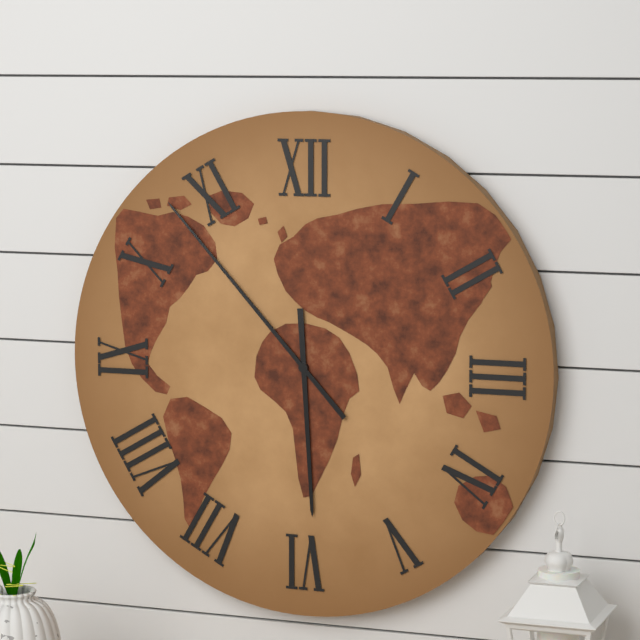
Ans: h=5 m=53
